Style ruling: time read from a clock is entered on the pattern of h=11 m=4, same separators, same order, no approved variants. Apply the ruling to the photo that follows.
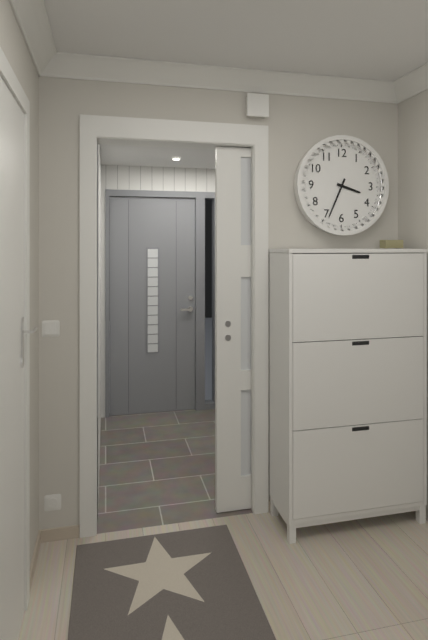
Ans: h=3 m=34
